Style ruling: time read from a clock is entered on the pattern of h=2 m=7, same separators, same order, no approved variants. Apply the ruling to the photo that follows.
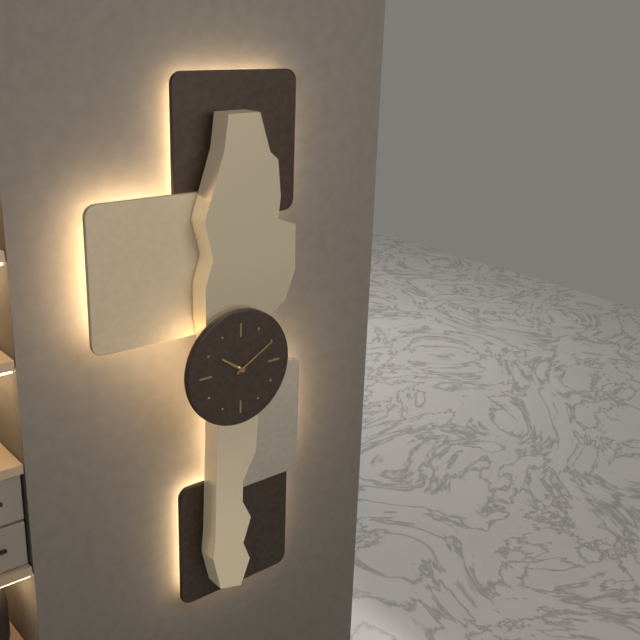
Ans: h=10 m=10
